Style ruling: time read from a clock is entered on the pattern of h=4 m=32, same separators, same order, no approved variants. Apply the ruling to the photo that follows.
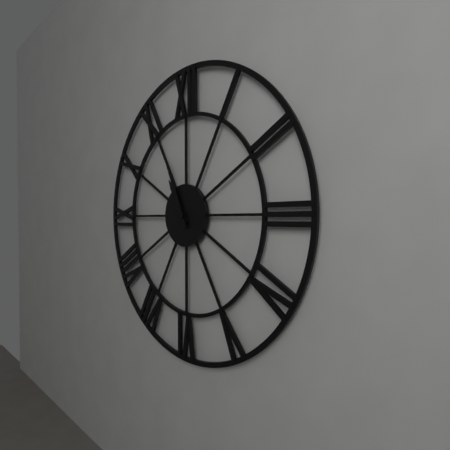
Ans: h=10 m=56
